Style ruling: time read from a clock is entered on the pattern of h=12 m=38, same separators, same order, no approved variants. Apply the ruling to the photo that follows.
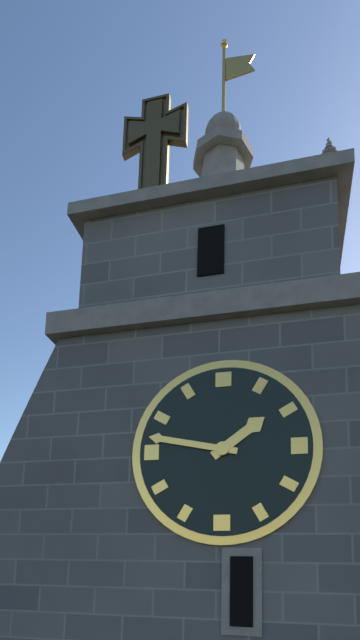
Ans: h=1 m=47
